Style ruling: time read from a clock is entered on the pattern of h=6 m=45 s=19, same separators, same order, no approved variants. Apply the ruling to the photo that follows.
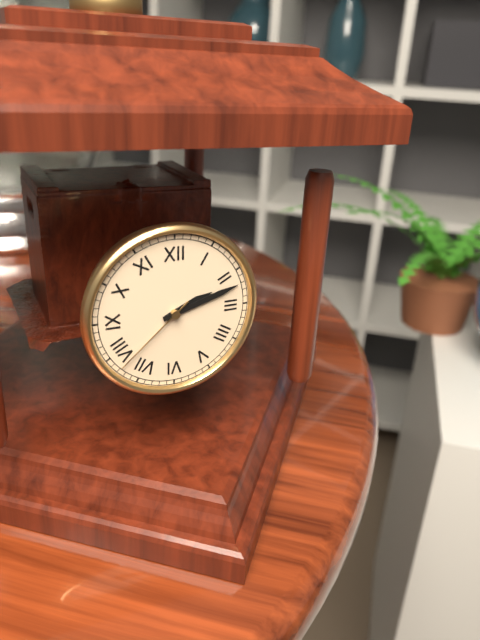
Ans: h=2 m=12 s=38
